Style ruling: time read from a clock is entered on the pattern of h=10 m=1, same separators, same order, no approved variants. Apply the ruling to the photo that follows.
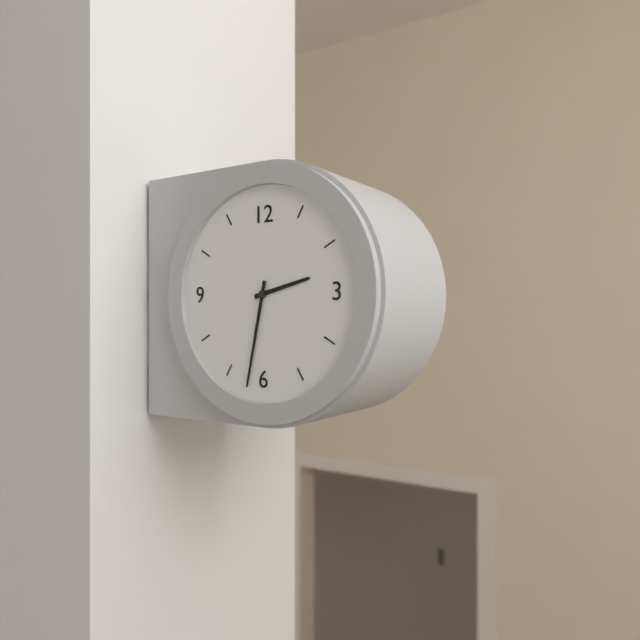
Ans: h=2 m=32
